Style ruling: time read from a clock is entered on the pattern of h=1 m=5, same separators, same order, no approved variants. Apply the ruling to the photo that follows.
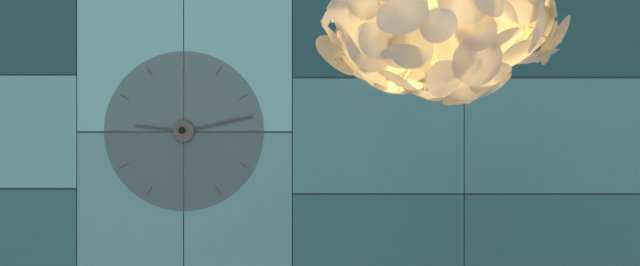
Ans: h=9 m=13
